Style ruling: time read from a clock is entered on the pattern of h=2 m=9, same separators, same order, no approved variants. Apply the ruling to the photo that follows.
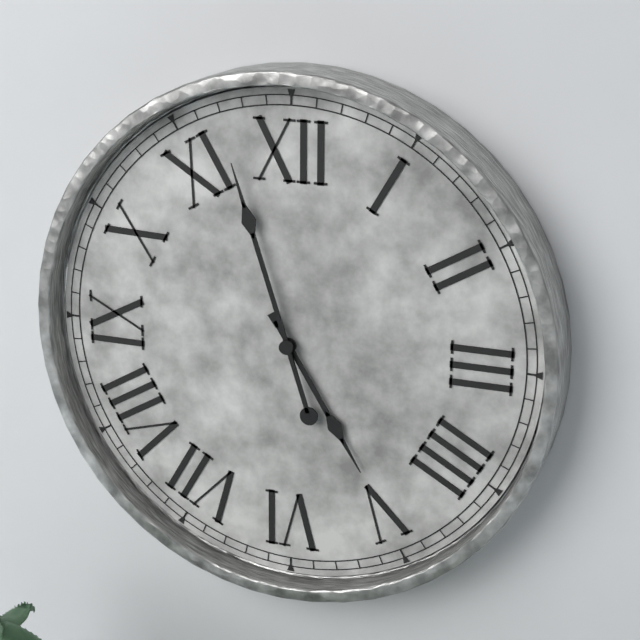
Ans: h=4 m=57
